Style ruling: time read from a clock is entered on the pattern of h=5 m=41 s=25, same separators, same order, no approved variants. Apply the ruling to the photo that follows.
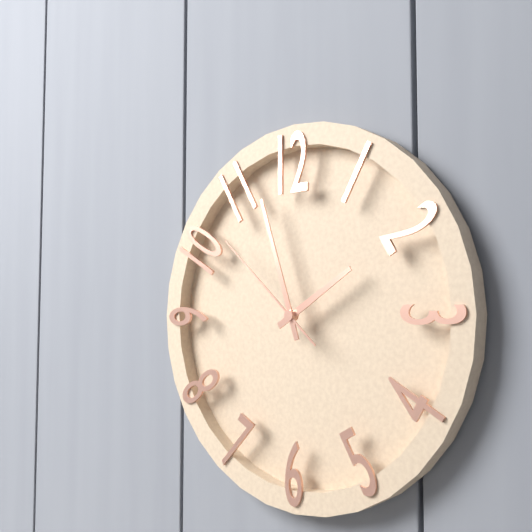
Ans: h=1 m=57 s=52
